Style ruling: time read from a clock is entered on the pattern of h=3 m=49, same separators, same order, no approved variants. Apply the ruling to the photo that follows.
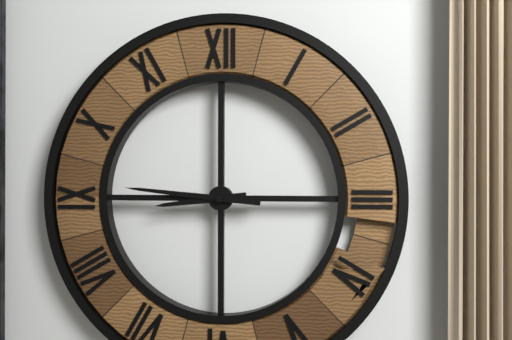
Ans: h=8 m=46
